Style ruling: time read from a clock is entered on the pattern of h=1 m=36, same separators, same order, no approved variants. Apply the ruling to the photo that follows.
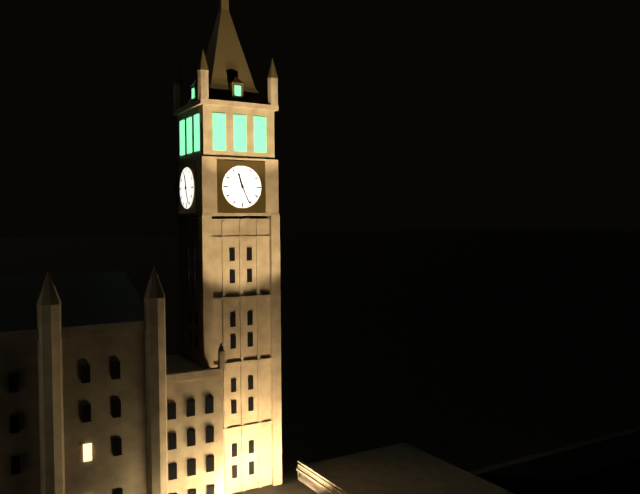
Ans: h=11 m=26
